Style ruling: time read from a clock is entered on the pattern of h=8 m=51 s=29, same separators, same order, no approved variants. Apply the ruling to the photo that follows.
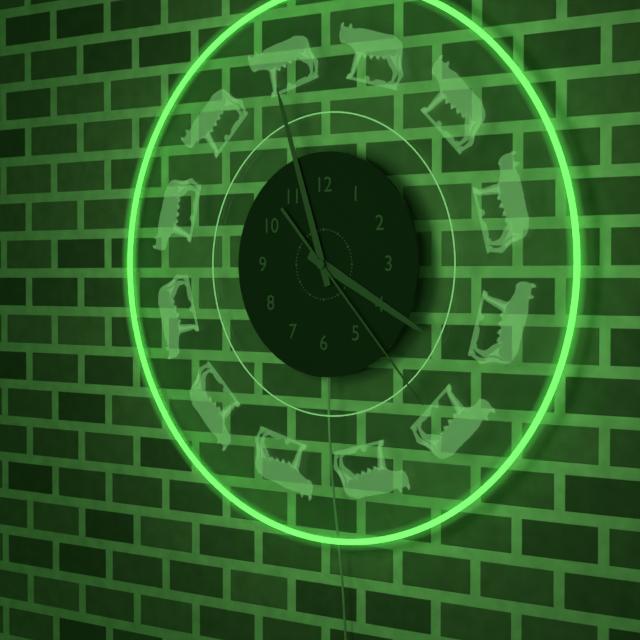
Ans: h=3 m=57 s=23
